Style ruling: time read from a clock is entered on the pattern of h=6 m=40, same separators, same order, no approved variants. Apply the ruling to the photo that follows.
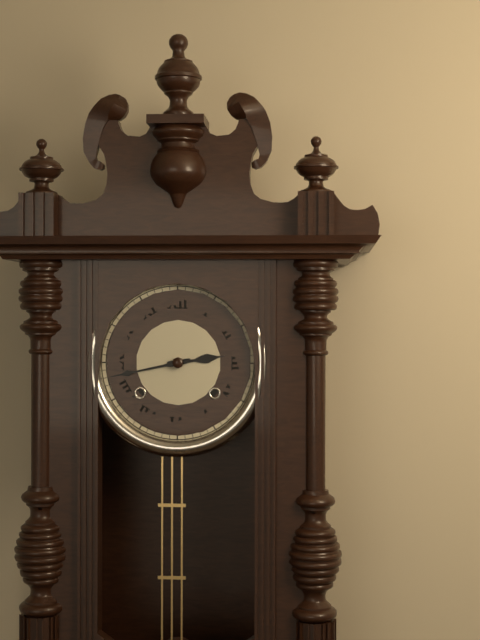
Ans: h=2 m=43
